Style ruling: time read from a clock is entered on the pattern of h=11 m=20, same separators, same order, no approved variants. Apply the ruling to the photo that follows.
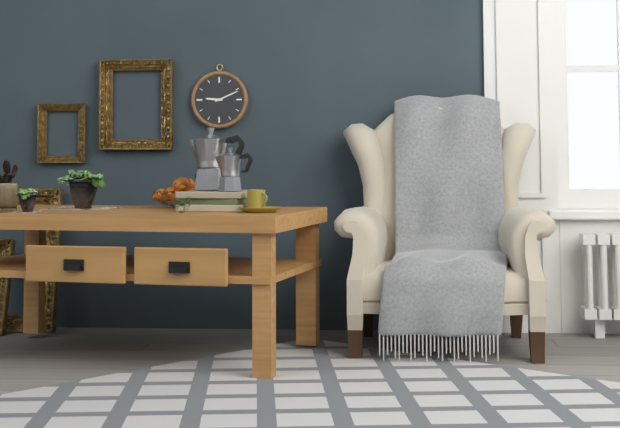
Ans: h=9 m=11
